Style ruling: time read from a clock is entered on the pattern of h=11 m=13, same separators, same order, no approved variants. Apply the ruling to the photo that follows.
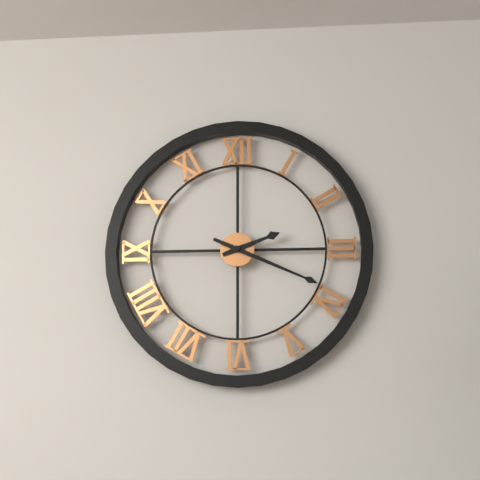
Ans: h=2 m=19
